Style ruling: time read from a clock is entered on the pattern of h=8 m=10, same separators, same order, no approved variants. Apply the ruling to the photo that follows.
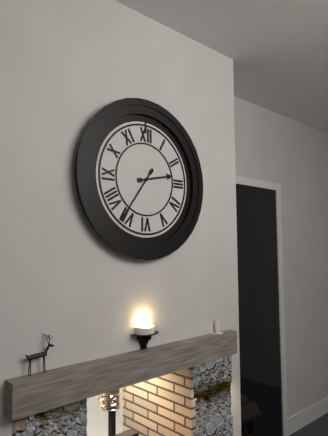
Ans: h=2 m=36
